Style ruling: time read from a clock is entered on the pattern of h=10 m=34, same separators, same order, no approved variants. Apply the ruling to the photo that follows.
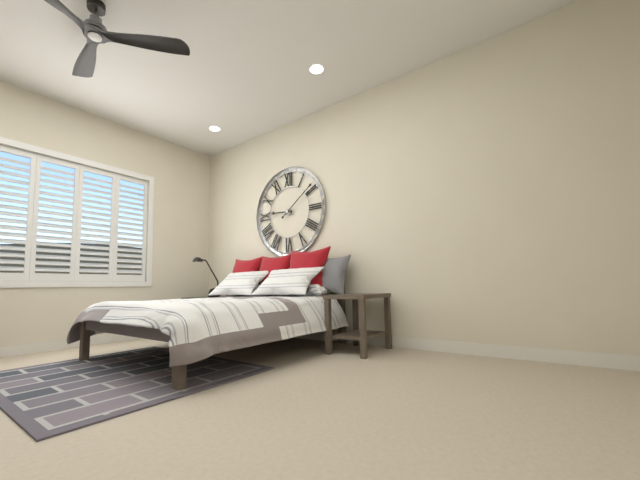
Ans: h=9 m=9
